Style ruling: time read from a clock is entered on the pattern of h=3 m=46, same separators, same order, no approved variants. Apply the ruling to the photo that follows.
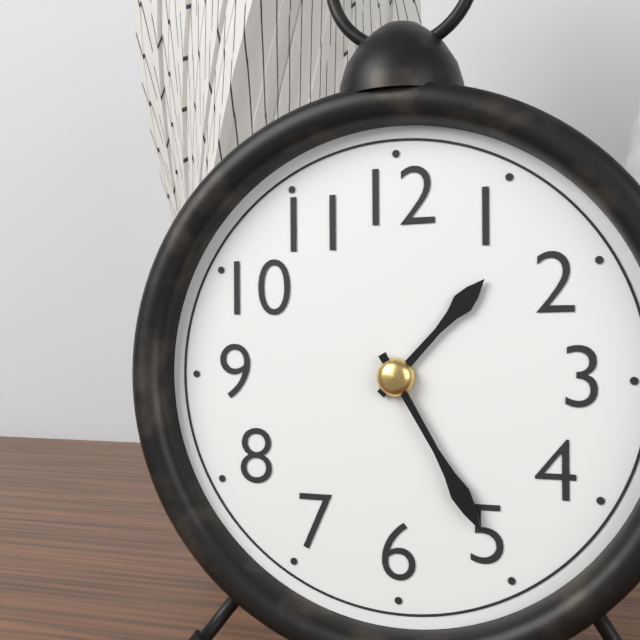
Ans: h=1 m=25
